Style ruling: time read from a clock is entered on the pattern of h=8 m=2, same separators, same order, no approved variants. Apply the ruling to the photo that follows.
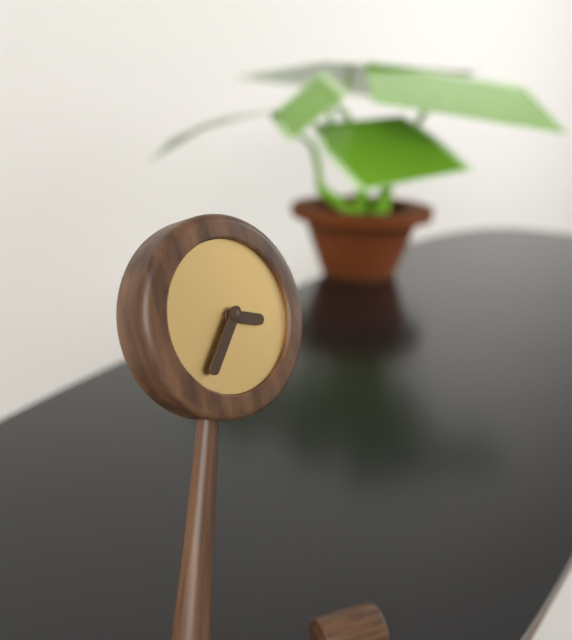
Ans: h=3 m=37
